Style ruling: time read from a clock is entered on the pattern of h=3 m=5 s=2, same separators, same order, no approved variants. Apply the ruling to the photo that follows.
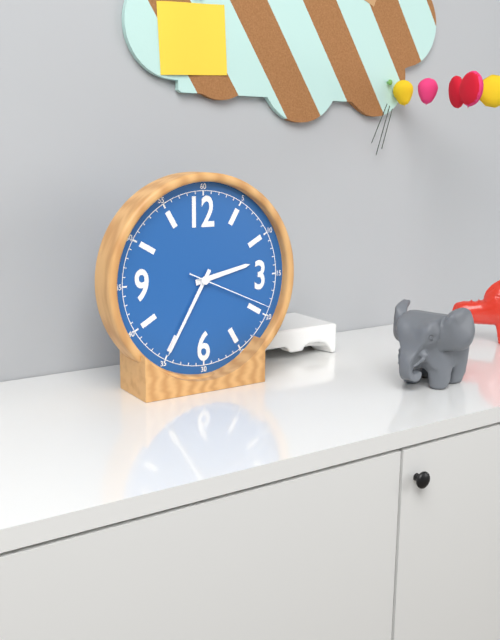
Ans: h=2 m=35 s=19
